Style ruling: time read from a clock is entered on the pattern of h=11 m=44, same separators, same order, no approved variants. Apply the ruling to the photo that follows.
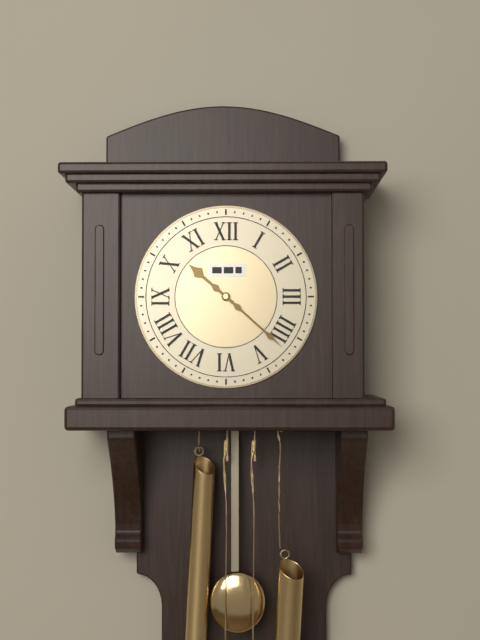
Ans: h=10 m=22
